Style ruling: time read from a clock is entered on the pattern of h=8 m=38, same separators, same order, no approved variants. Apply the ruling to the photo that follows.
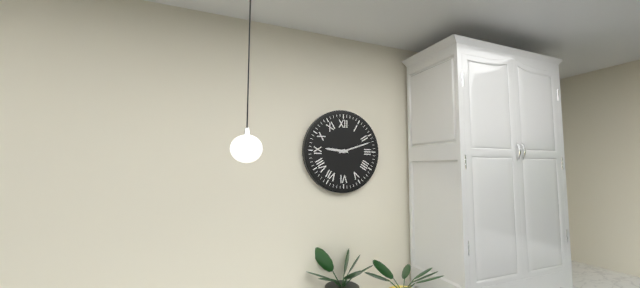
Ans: h=9 m=12
